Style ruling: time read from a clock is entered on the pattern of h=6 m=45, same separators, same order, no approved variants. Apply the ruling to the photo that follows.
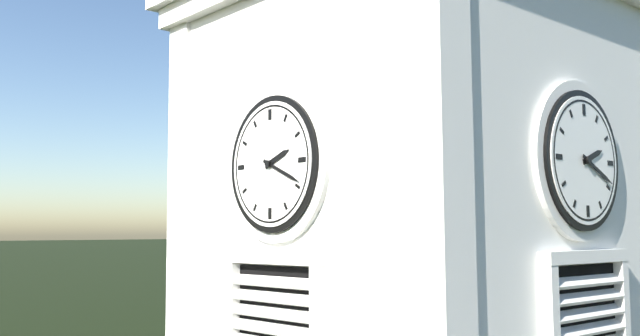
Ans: h=2 m=19
